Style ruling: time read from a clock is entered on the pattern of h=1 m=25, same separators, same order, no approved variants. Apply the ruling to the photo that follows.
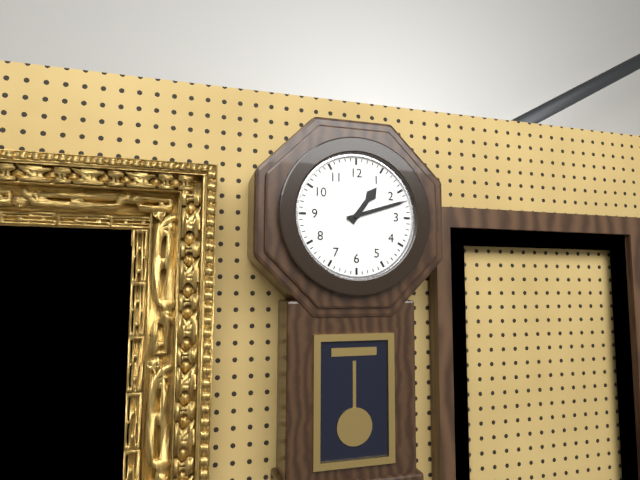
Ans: h=1 m=12
